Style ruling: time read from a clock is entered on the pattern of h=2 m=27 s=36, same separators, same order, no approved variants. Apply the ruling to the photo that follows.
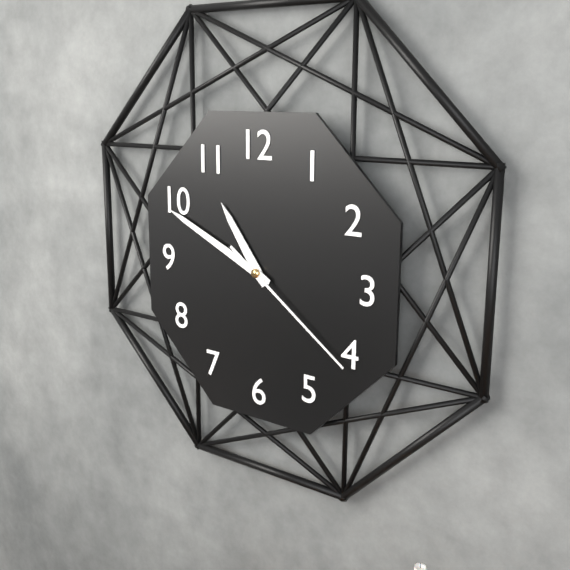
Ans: h=10 m=49 s=21
